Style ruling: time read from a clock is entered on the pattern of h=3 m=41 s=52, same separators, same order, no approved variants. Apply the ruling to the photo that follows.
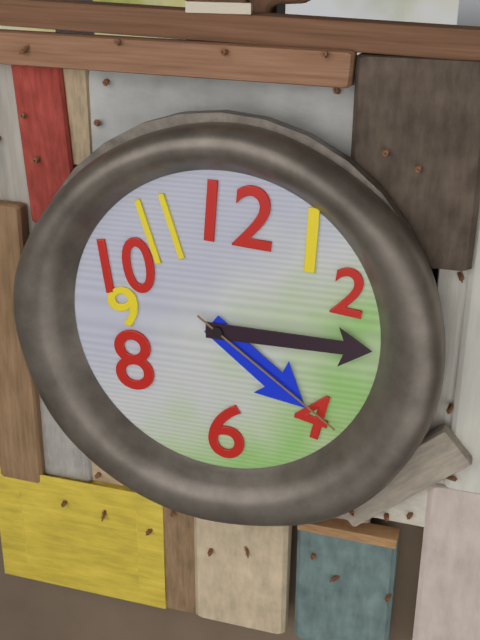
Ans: h=4 m=15 s=21
